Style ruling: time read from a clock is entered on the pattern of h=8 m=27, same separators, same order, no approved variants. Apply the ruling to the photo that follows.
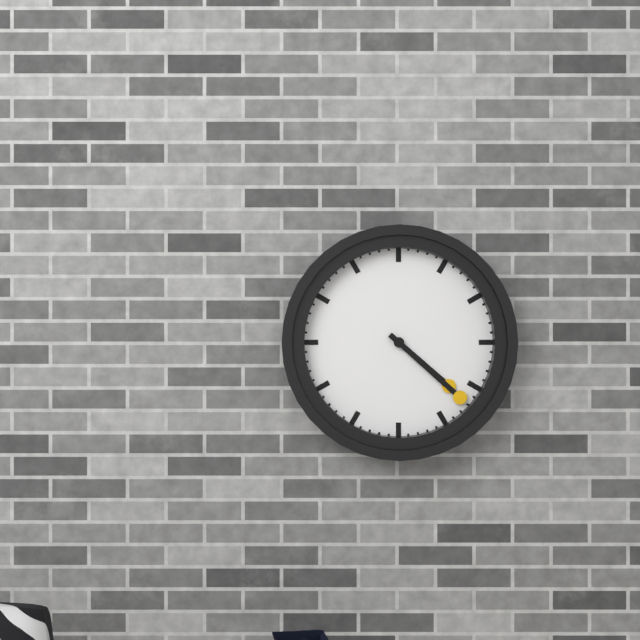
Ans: h=4 m=22
